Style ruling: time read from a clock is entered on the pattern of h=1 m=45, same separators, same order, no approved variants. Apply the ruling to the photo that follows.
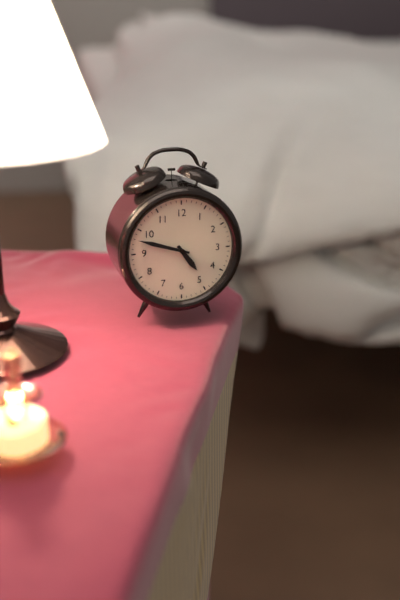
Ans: h=4 m=48
